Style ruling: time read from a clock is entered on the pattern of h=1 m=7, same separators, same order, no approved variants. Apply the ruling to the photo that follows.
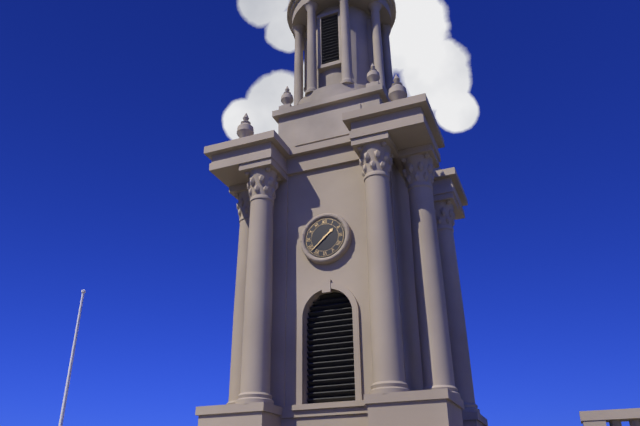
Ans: h=1 m=38
